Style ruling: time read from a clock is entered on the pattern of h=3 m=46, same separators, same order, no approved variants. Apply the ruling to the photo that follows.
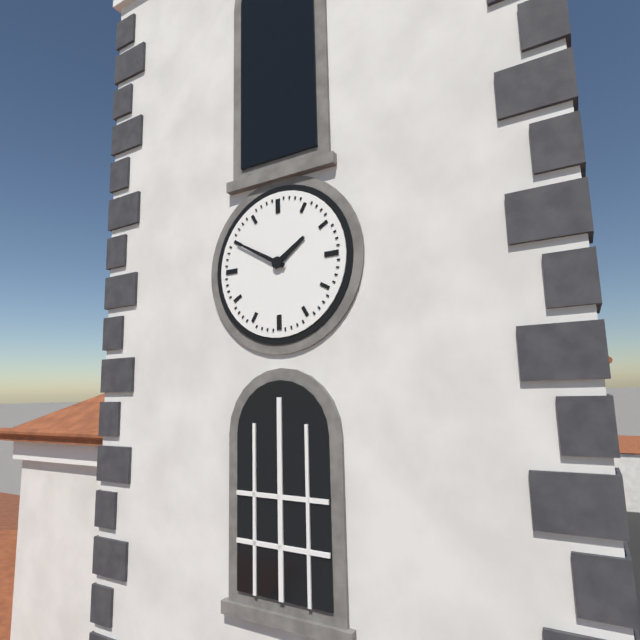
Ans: h=1 m=50
